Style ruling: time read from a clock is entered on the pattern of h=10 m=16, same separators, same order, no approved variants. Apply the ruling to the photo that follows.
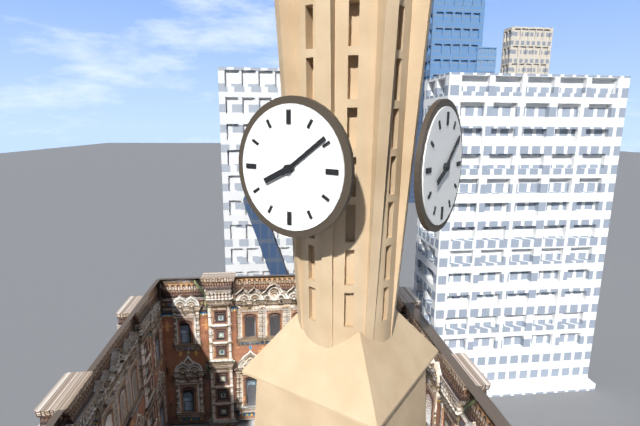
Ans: h=8 m=9
